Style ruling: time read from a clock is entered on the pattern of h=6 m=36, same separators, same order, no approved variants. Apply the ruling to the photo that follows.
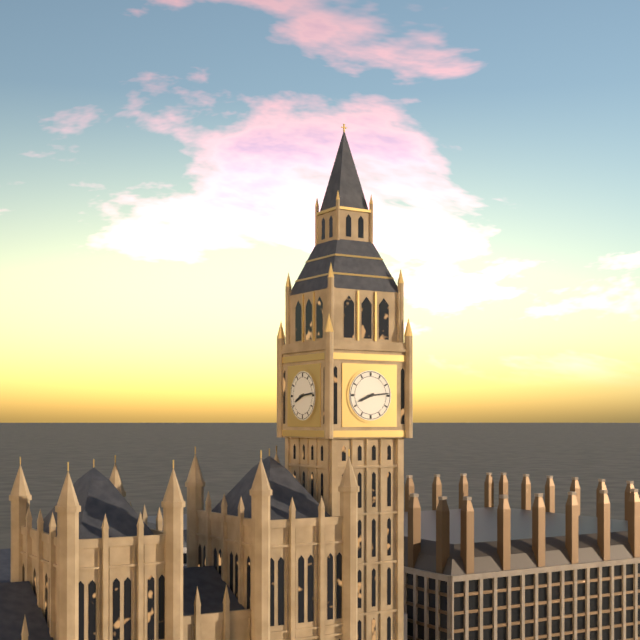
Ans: h=8 m=14
